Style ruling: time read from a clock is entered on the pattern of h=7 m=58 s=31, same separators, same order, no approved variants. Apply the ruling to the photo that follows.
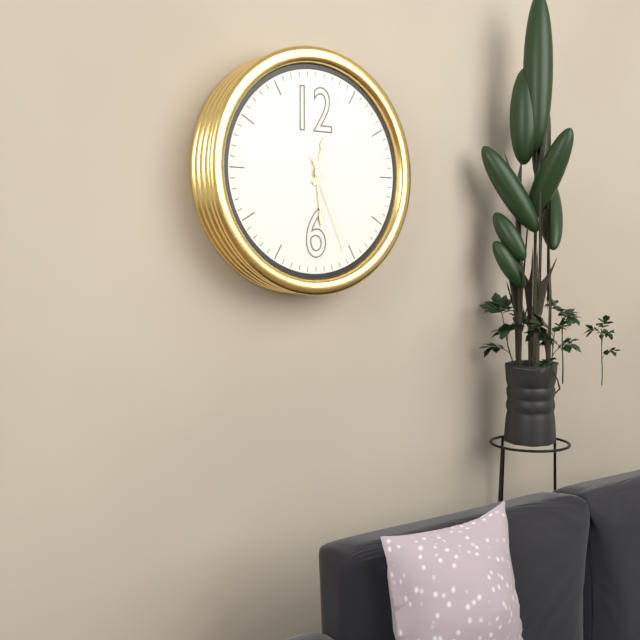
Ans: h=12 m=29 s=26
